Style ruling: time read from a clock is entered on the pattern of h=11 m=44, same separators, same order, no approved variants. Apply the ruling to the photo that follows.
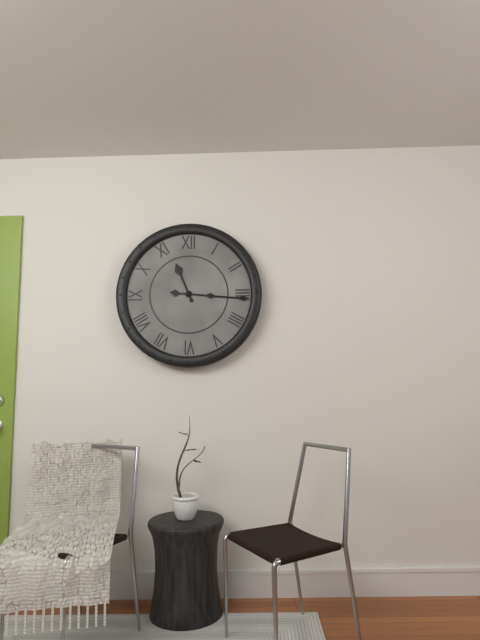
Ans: h=11 m=16
